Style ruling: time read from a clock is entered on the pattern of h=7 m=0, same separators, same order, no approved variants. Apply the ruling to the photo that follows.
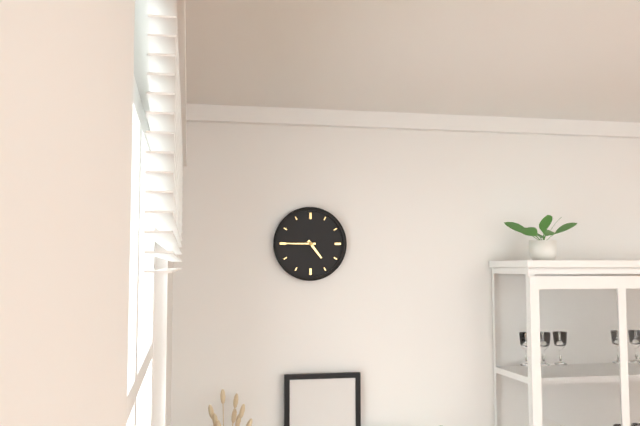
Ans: h=4 m=45
